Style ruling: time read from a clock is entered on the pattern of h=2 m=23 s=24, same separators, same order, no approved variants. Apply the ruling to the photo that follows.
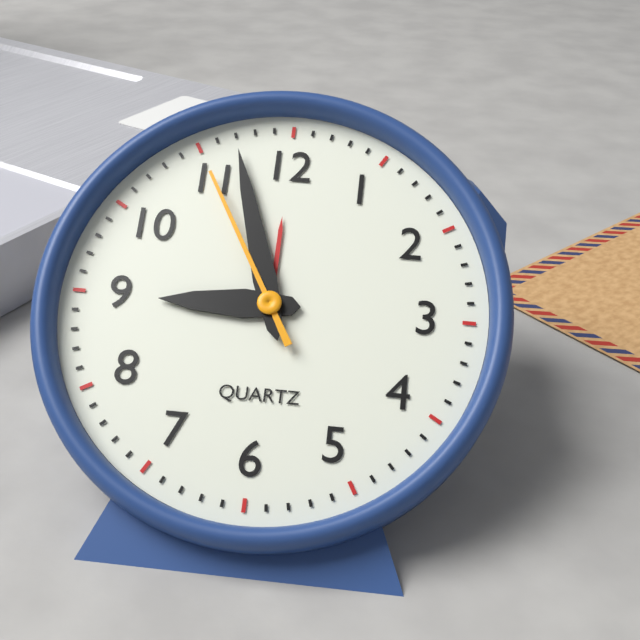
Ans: h=8 m=57 s=55
